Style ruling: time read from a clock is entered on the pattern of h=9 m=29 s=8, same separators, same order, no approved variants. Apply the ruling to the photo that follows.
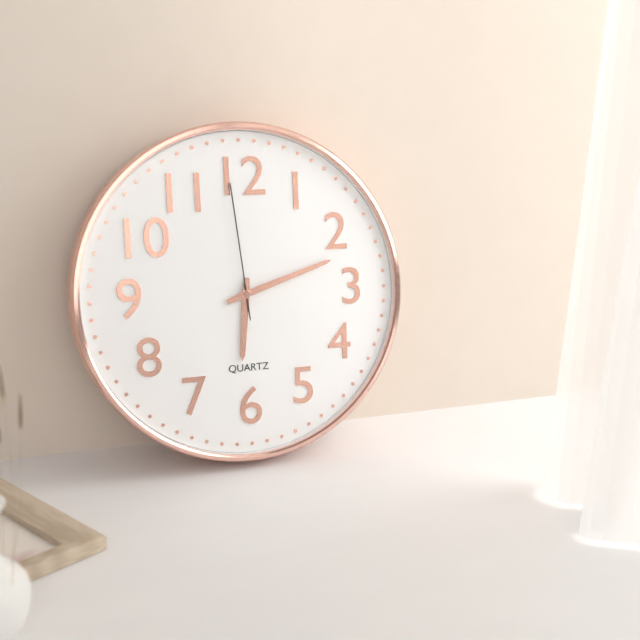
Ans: h=6 m=12 s=59
